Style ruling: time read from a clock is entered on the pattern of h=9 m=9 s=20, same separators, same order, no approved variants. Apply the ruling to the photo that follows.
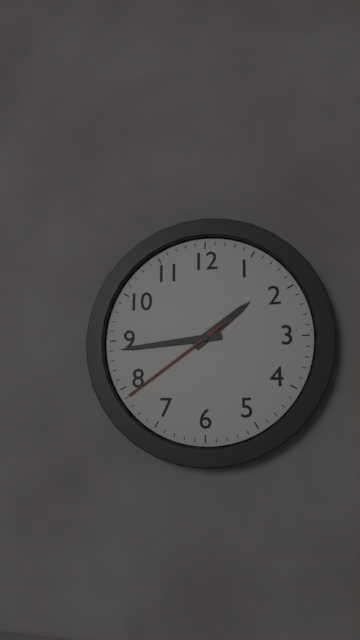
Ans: h=1 m=44 s=39
